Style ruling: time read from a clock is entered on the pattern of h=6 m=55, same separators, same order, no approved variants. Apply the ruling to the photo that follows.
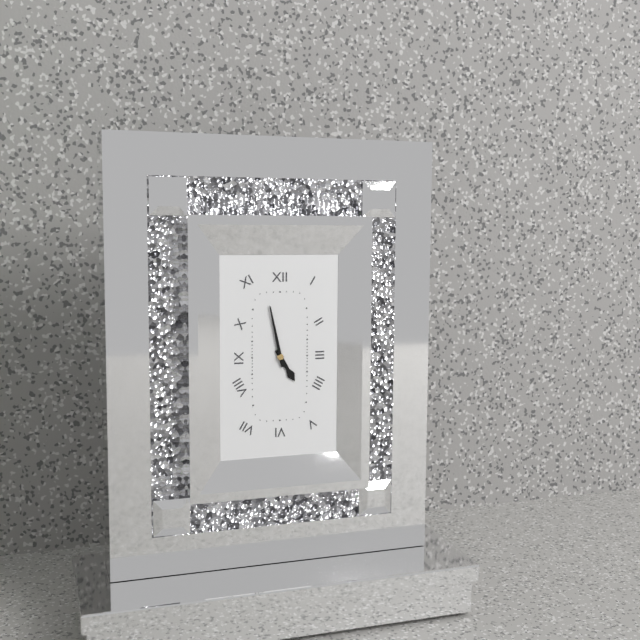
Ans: h=4 m=58
